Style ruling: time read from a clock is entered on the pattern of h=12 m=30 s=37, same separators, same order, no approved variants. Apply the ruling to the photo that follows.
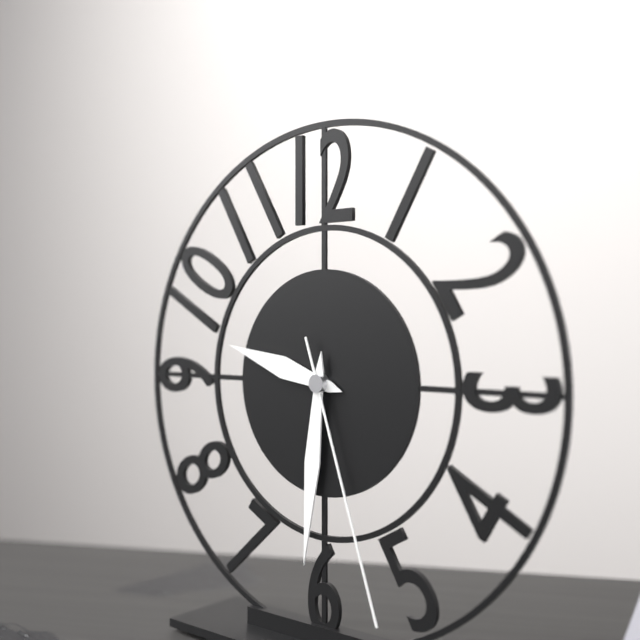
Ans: h=9 m=31 s=27
